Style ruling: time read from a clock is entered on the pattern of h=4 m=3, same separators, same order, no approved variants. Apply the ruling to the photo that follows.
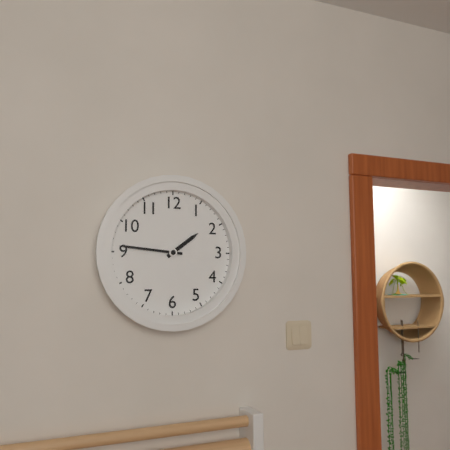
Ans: h=1 m=46
